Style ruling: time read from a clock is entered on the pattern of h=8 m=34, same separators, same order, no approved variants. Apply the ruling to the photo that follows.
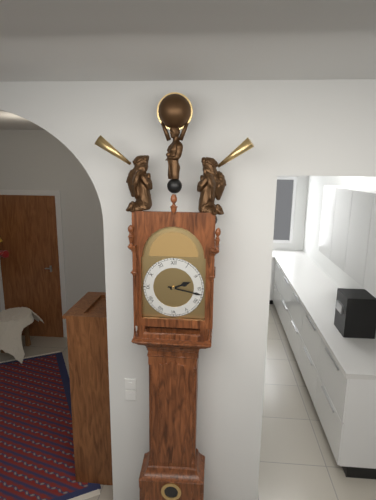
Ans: h=2 m=17
